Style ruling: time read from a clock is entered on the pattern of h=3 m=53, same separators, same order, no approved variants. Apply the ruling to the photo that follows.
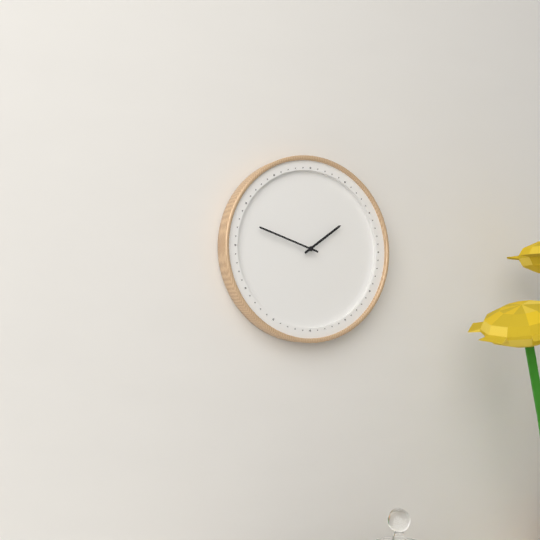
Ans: h=1 m=48
